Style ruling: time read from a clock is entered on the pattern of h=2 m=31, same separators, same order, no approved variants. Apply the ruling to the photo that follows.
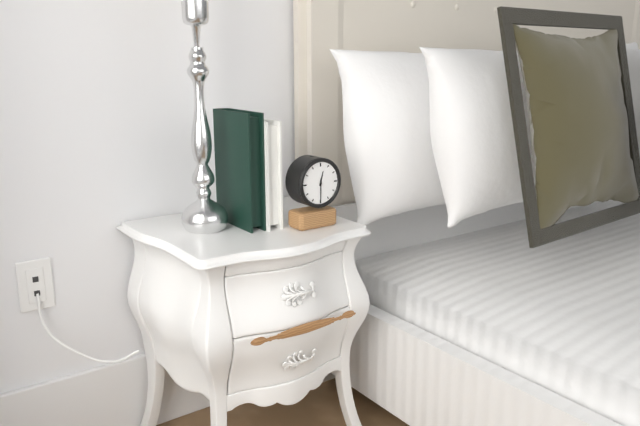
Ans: h=12 m=30
